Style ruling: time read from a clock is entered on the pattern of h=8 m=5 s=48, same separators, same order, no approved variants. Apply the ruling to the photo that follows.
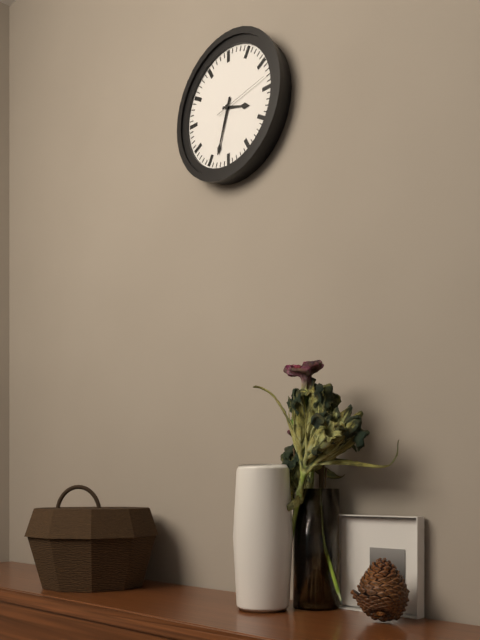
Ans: h=3 m=33 s=13
